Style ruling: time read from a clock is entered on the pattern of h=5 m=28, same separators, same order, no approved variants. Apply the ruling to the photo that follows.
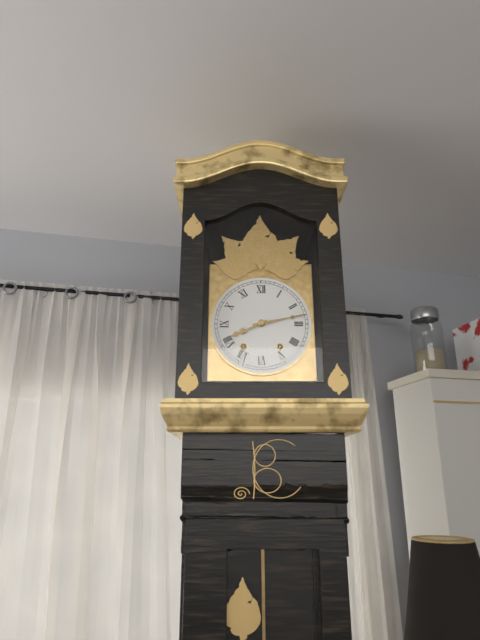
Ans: h=8 m=13
